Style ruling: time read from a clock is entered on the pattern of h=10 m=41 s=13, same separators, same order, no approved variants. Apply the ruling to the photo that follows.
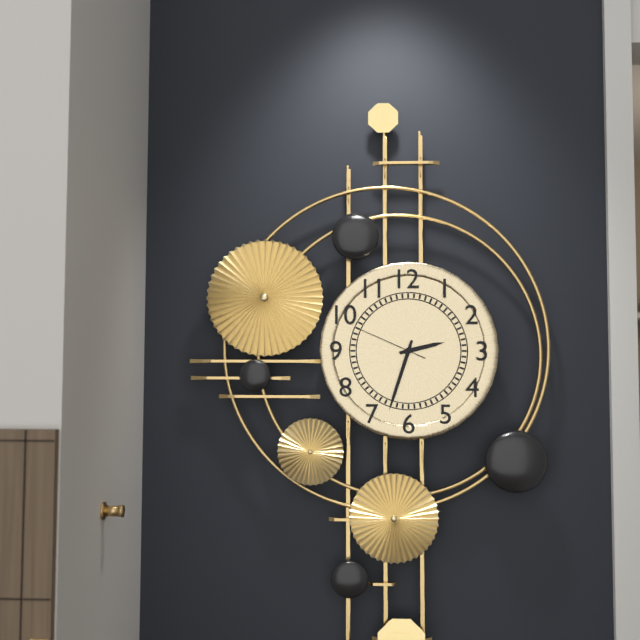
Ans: h=2 m=33 s=49
